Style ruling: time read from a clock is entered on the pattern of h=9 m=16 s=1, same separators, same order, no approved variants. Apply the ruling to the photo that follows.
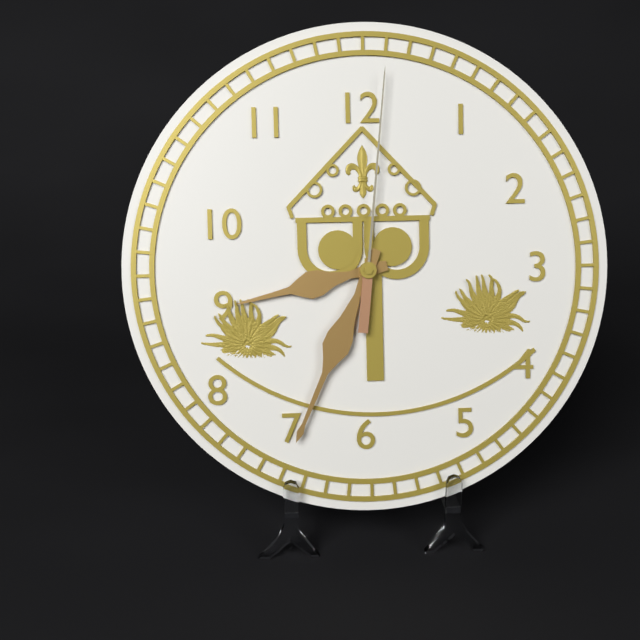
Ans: h=8 m=34 s=1
